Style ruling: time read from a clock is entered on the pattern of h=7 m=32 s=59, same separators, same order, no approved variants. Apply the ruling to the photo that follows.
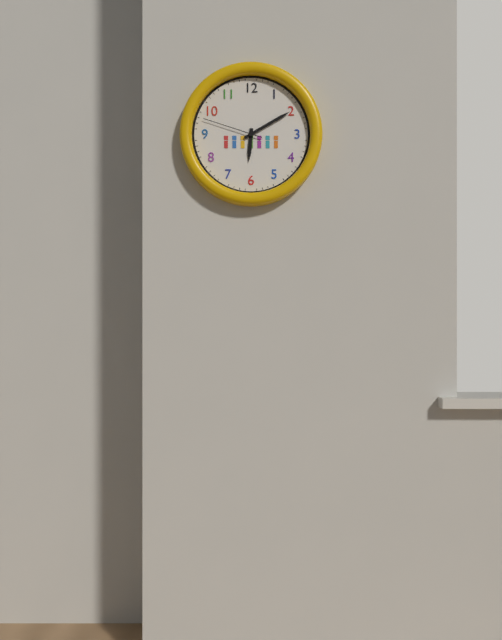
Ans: h=6 m=10 s=48
